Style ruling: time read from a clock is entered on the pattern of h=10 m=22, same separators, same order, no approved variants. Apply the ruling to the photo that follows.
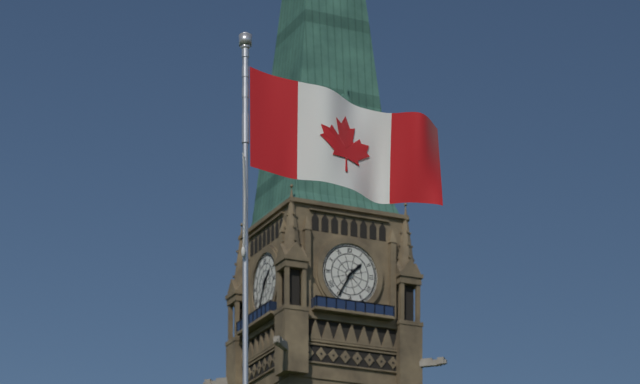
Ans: h=1 m=35
